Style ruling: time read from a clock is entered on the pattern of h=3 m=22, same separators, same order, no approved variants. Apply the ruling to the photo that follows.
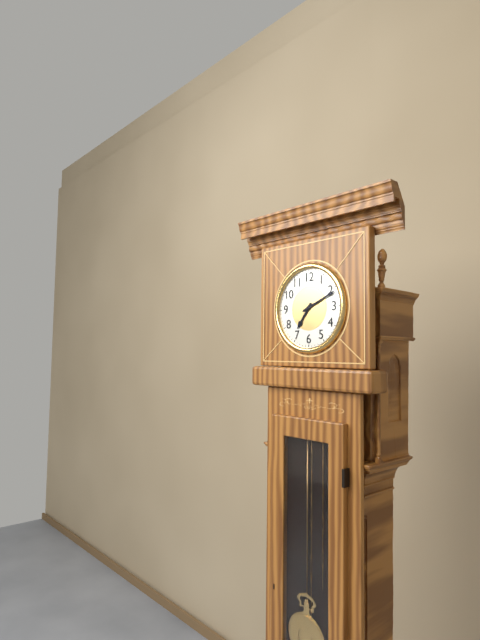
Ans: h=7 m=11
